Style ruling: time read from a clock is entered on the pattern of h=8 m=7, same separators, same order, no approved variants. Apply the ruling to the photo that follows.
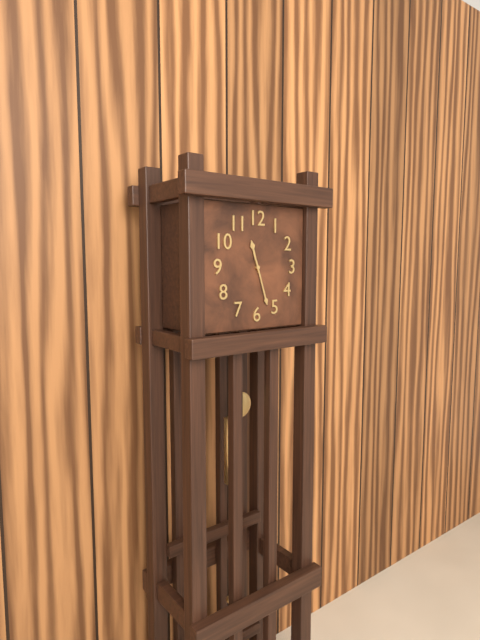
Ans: h=11 m=27
